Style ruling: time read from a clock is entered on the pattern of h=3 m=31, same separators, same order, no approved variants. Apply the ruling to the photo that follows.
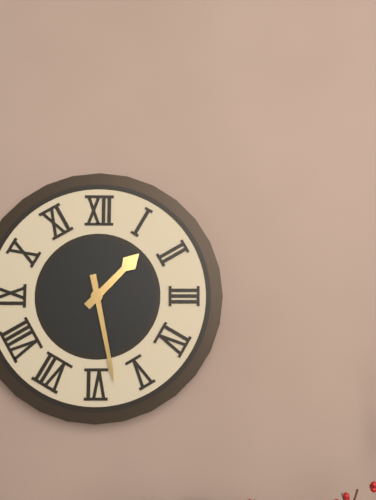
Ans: h=1 m=28
